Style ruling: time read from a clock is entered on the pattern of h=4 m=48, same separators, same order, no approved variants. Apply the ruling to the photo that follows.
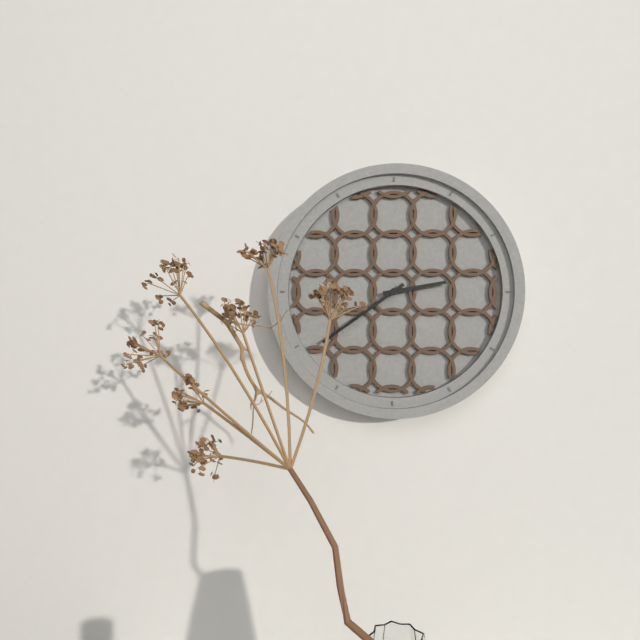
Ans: h=2 m=39
